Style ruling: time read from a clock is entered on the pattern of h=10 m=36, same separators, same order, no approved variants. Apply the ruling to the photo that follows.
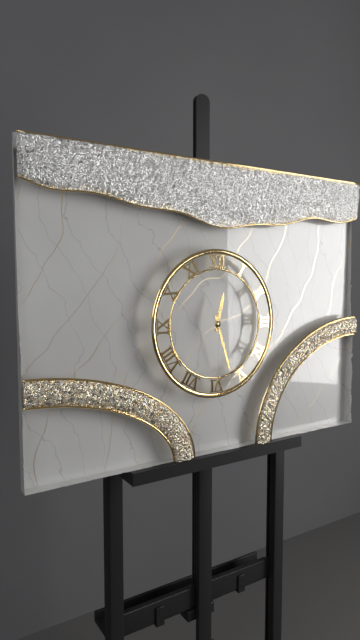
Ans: h=12 m=27
